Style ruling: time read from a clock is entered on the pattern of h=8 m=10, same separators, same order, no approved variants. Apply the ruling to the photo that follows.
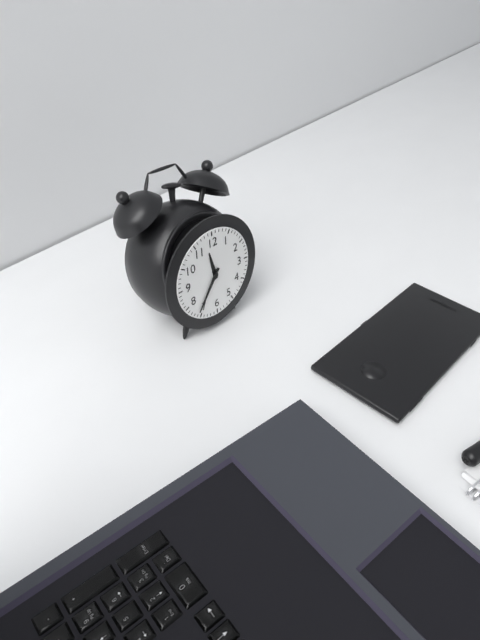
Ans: h=11 m=36
